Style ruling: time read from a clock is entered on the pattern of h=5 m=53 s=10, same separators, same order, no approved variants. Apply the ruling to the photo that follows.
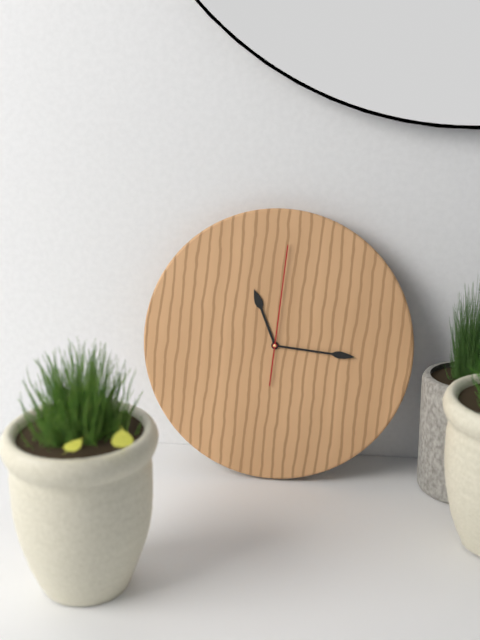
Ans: h=11 m=16 s=1
